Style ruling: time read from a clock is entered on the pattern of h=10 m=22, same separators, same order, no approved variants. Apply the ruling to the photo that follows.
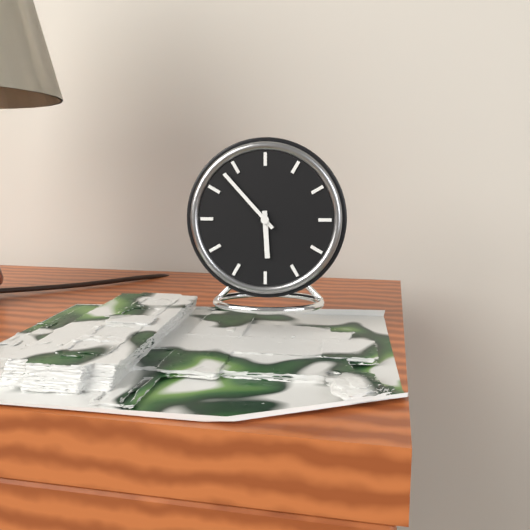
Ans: h=5 m=53
